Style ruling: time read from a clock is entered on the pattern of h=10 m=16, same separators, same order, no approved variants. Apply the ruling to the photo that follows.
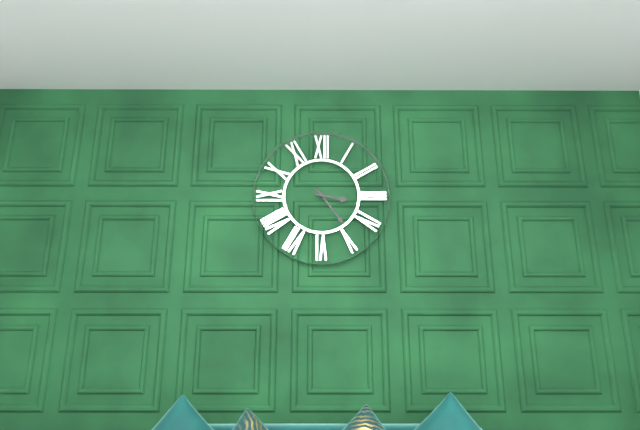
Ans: h=3 m=24
